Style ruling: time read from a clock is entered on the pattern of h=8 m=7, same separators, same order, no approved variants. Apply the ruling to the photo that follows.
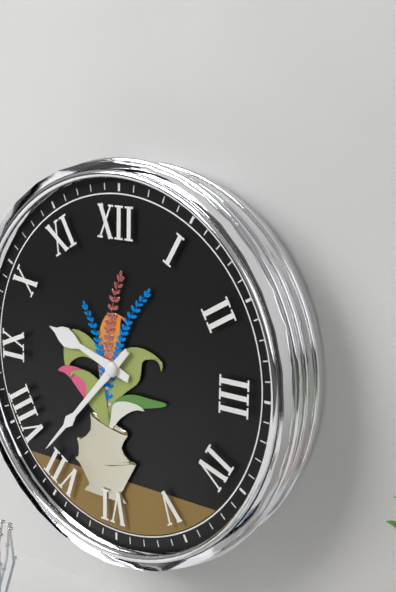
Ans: h=9 m=37
